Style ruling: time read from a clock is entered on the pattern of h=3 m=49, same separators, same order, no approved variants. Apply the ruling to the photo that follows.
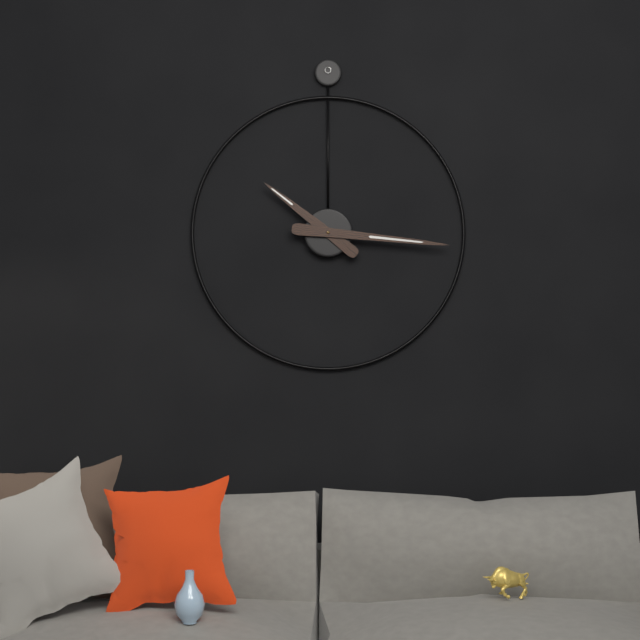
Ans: h=10 m=16
